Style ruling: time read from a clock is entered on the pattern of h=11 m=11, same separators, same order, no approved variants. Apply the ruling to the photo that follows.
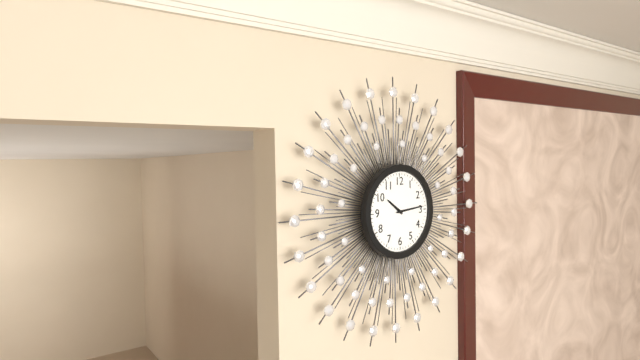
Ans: h=10 m=14
